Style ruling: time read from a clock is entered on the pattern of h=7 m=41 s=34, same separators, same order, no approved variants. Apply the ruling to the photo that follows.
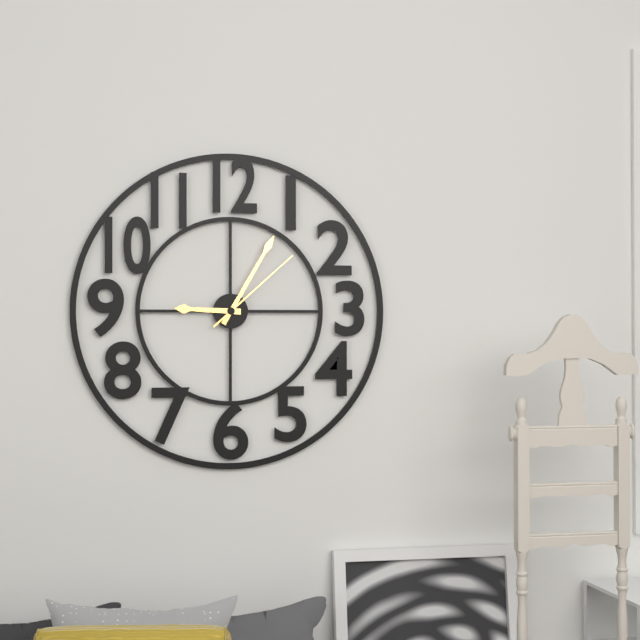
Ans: h=9 m=5 s=8
